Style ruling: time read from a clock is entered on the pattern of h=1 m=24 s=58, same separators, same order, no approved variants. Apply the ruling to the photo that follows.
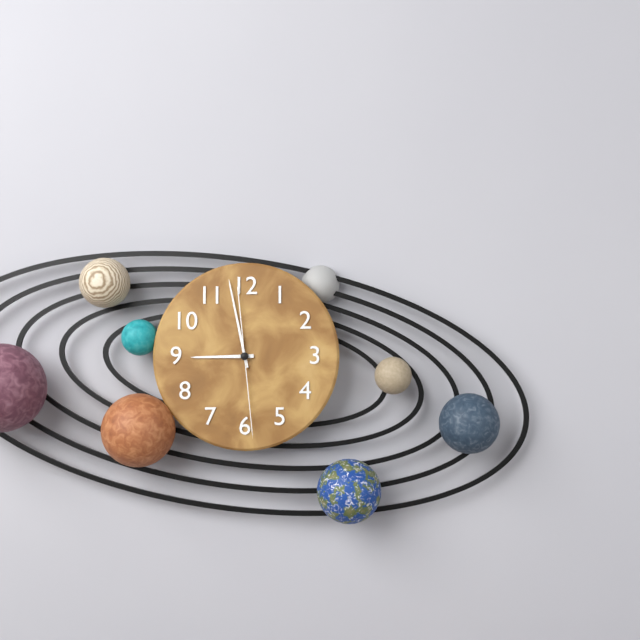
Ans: h=8 m=58 s=29
